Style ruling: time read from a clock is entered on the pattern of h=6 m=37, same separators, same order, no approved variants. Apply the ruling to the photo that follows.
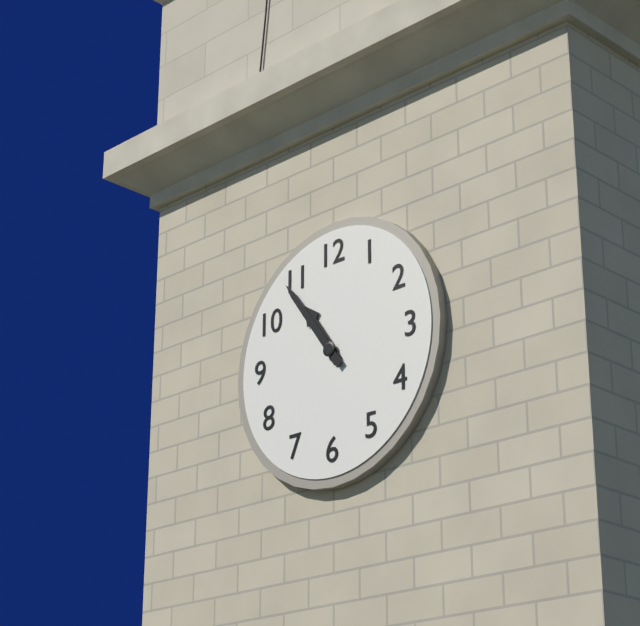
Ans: h=10 m=54
